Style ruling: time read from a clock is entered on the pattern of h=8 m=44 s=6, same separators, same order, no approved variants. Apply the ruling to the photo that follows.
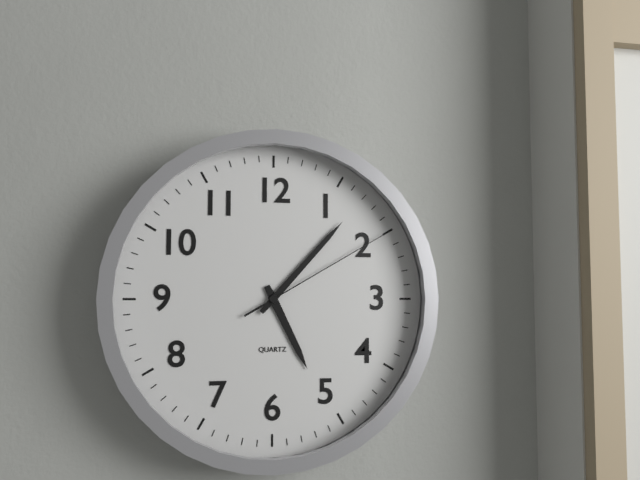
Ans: h=5 m=7 s=10
